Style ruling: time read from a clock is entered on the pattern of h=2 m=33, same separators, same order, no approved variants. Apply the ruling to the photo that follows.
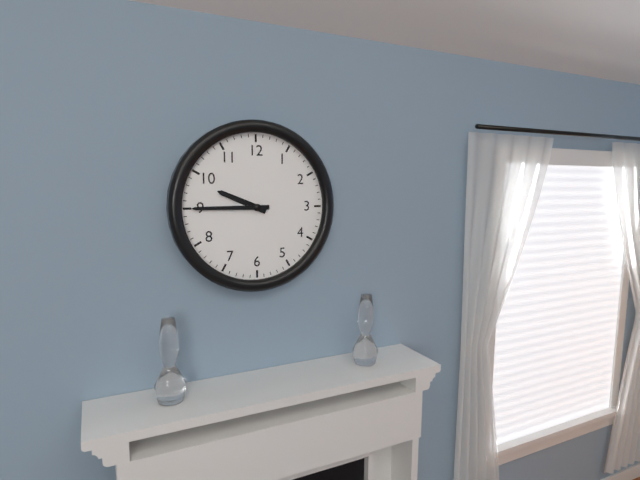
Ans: h=9 m=45
